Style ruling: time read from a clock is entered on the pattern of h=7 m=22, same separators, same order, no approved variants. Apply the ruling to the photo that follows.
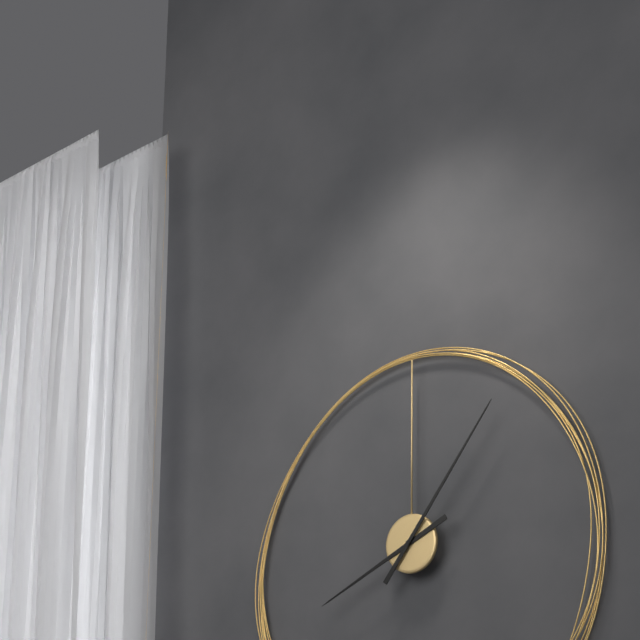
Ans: h=8 m=6
